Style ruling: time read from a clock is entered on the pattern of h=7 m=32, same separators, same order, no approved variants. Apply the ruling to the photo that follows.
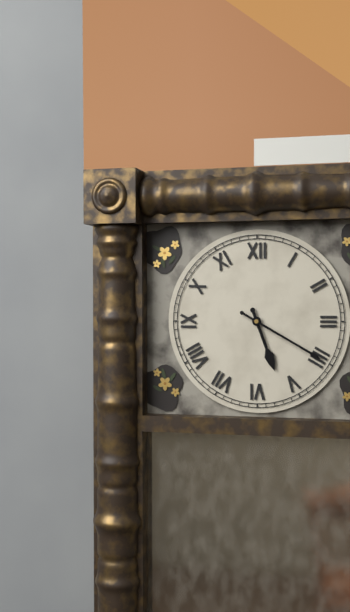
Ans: h=5 m=20
